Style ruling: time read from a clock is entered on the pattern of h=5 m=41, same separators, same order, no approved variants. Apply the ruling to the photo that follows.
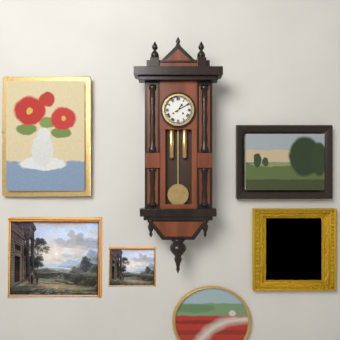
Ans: h=1 m=10
